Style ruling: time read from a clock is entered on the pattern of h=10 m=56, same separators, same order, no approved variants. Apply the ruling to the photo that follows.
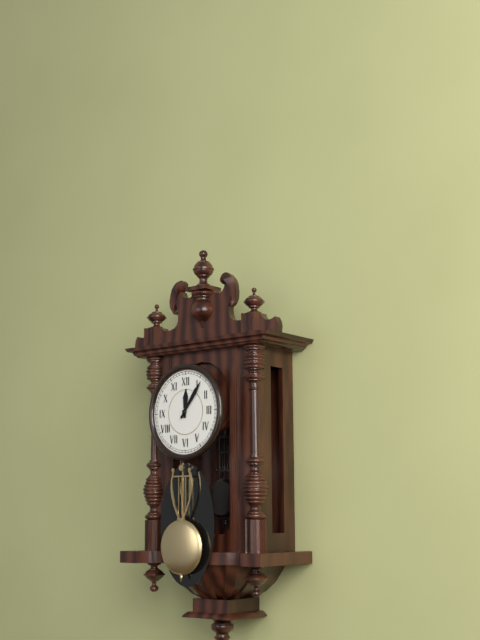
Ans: h=12 m=6
